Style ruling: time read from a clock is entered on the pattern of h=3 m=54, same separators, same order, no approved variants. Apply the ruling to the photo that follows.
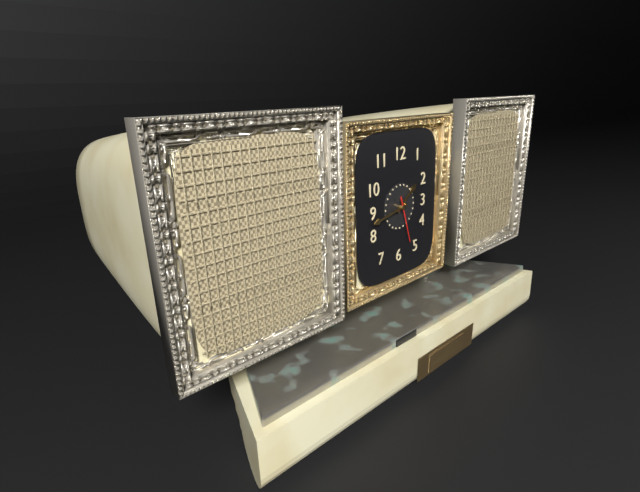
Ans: h=1 m=43
